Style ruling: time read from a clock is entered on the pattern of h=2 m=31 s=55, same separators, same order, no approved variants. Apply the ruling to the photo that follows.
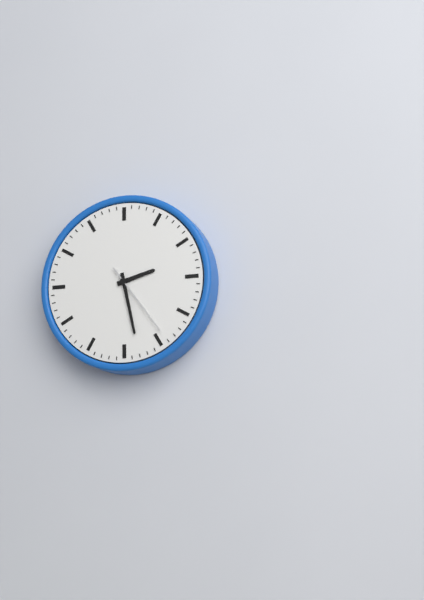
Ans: h=2 m=28 s=24
